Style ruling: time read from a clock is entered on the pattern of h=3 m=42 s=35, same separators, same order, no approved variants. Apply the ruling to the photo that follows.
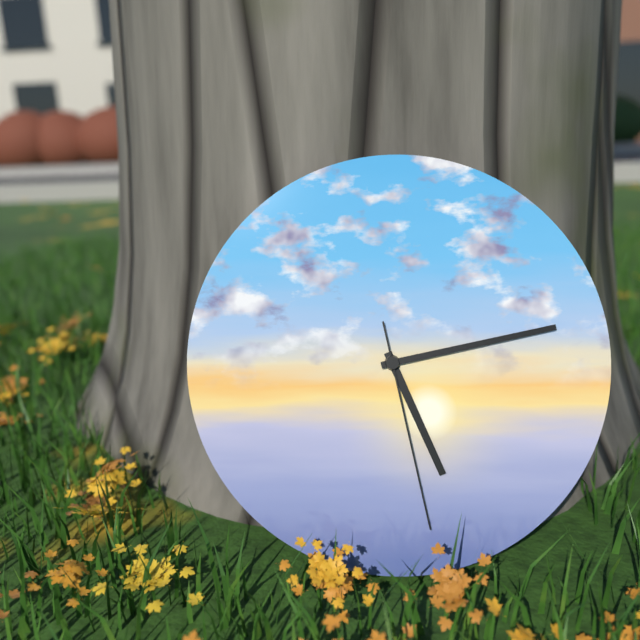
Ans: h=5 m=13 s=28
